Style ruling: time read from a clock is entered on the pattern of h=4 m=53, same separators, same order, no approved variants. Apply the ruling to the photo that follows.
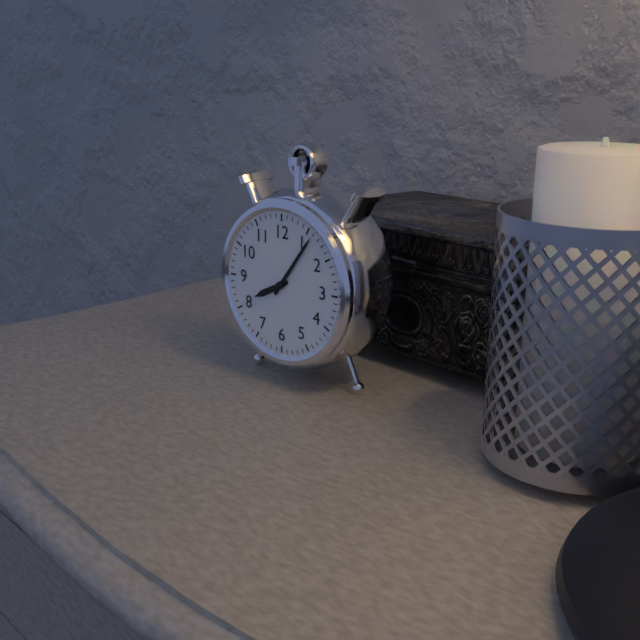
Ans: h=8 m=6
